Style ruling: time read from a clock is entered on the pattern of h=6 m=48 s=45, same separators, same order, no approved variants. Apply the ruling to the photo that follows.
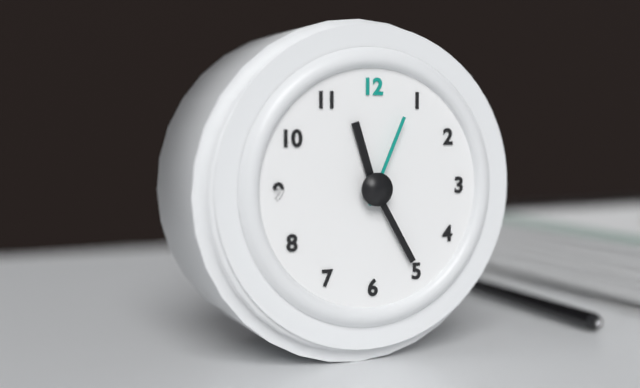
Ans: h=11 m=25 s=4
